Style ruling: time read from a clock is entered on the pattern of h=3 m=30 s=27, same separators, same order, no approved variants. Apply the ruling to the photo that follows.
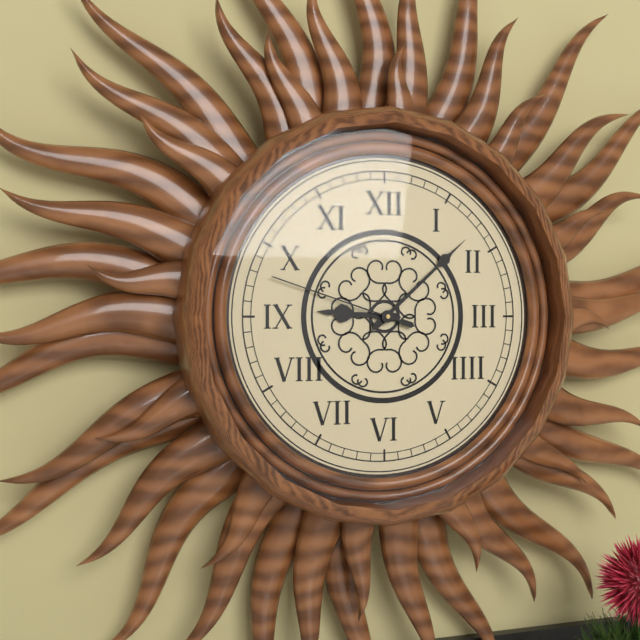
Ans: h=9 m=8 s=48
